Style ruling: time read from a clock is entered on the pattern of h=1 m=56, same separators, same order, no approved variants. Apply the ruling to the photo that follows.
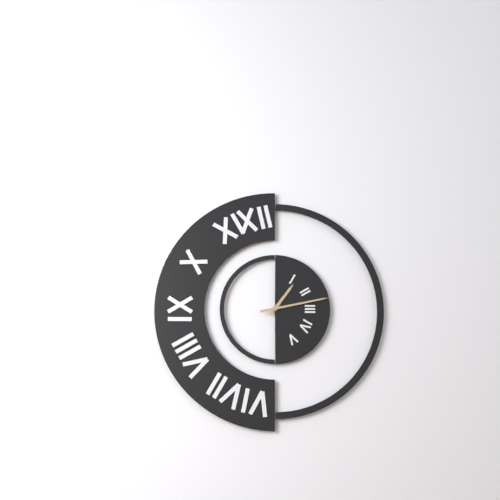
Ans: h=1 m=13
